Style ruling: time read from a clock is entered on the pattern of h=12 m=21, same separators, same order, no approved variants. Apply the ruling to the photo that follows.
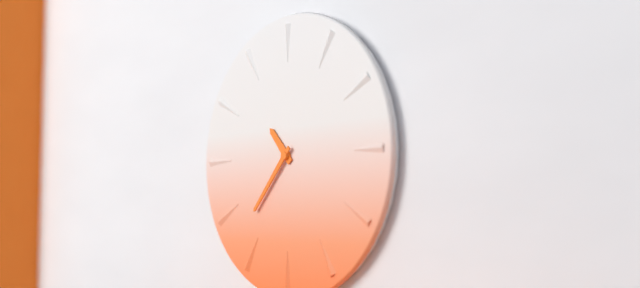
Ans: h=10 m=37
